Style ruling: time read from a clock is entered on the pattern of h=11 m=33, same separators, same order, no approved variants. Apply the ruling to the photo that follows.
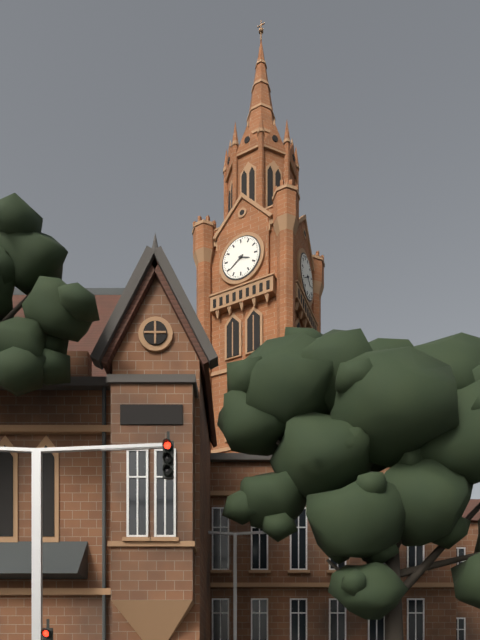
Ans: h=3 m=39
